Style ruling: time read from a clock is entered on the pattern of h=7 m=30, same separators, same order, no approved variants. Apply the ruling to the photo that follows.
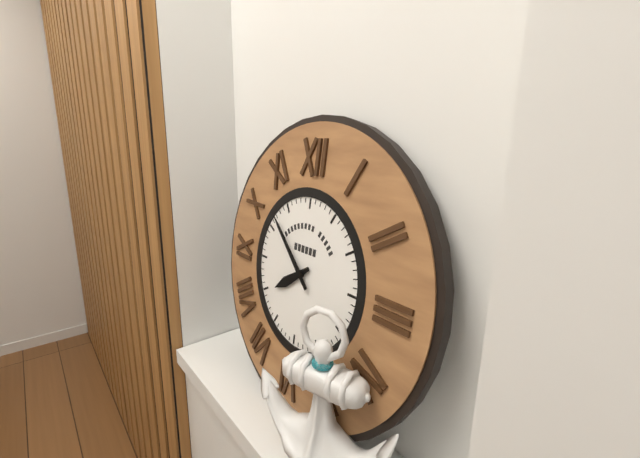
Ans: h=7 m=52
